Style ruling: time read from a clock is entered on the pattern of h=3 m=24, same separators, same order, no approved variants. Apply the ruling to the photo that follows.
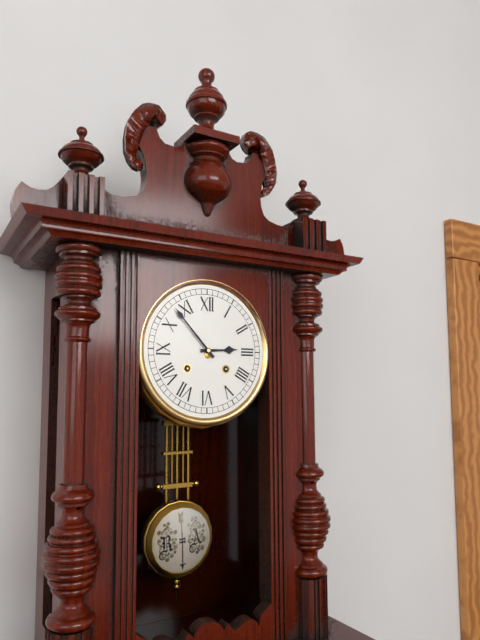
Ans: h=2 m=53
